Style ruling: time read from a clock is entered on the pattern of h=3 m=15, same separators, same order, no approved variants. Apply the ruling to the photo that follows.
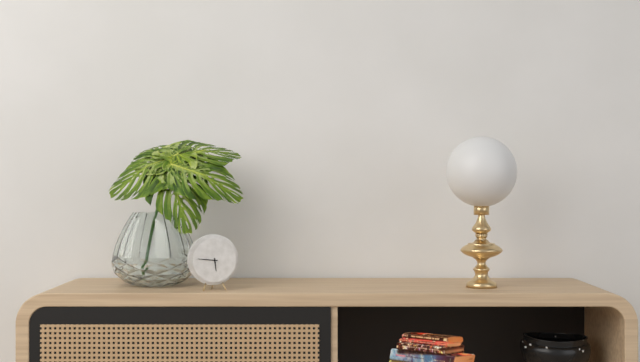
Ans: h=5 m=46
